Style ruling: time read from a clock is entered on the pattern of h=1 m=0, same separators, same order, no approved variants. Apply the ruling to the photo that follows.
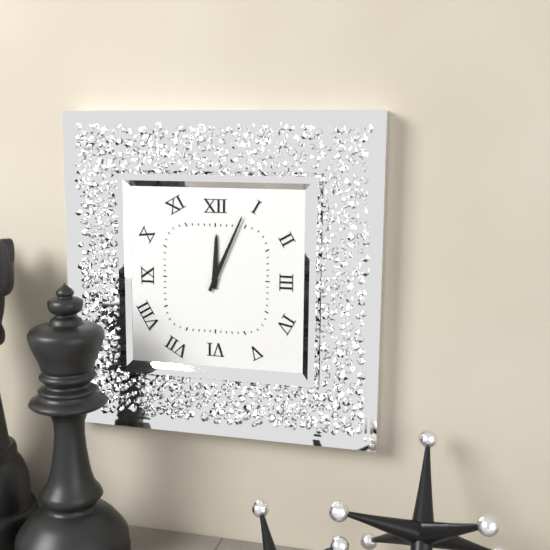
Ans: h=12 m=4
